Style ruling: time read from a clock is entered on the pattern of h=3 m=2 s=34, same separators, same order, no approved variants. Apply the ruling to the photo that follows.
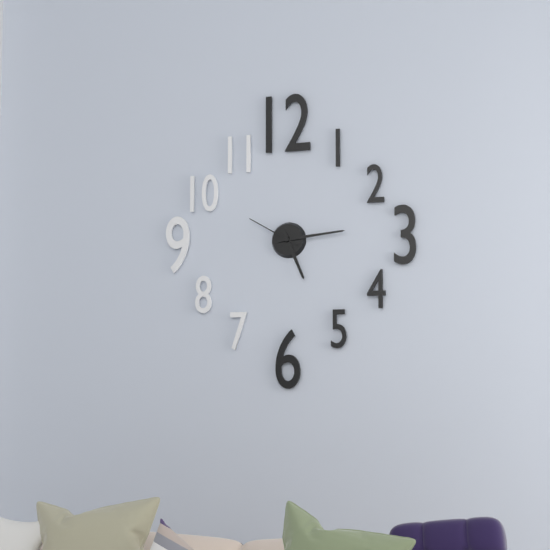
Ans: h=5 m=14 s=50
